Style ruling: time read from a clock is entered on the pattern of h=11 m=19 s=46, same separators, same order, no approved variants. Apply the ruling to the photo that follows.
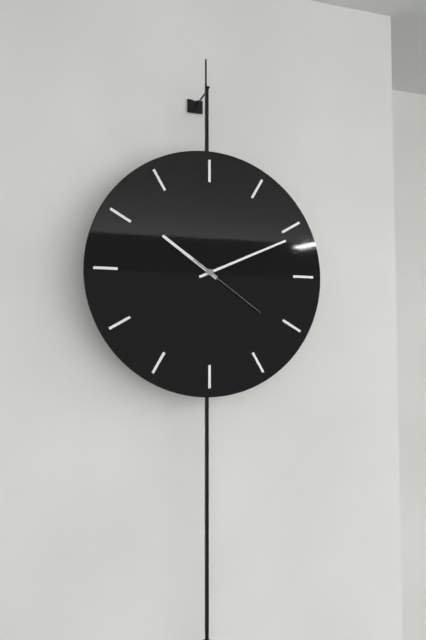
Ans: h=10 m=11 s=21
